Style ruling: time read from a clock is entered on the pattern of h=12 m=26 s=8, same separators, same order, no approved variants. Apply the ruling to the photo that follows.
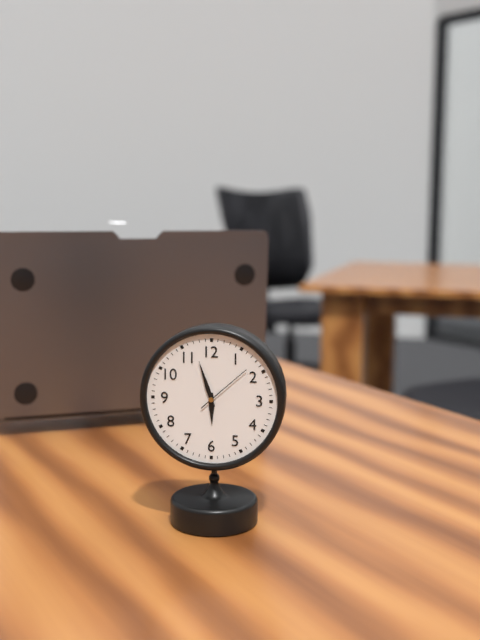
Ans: h=5 m=57 s=8
